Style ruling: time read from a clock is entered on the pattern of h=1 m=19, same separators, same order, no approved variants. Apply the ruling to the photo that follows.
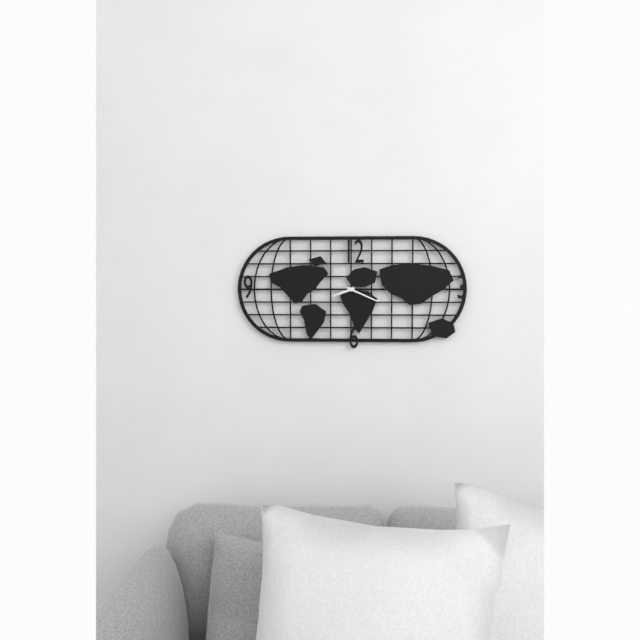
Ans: h=8 m=19
